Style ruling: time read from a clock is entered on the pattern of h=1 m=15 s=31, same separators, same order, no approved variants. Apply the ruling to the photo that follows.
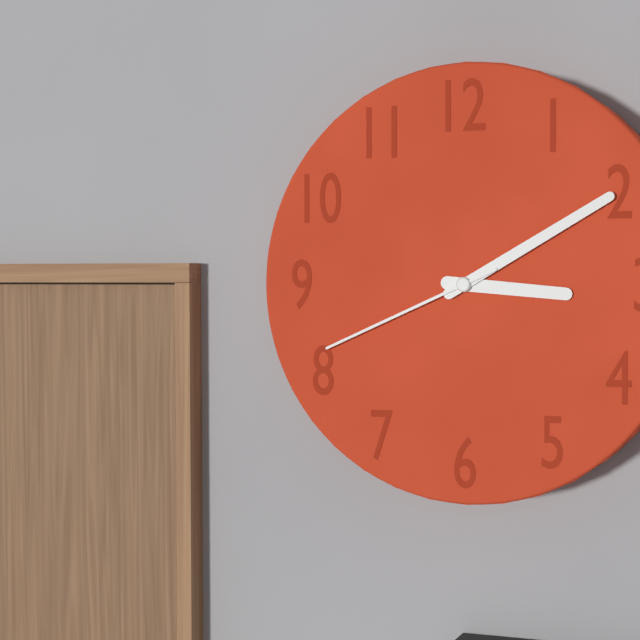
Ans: h=3 m=10 s=41
